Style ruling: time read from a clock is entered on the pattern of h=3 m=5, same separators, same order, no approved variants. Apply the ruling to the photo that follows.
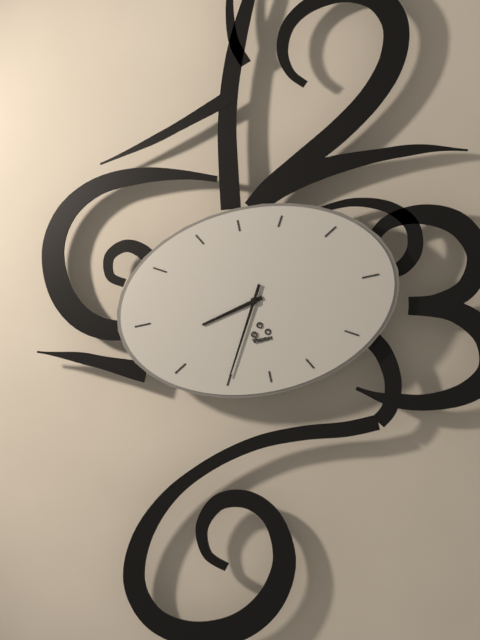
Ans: h=8 m=35
